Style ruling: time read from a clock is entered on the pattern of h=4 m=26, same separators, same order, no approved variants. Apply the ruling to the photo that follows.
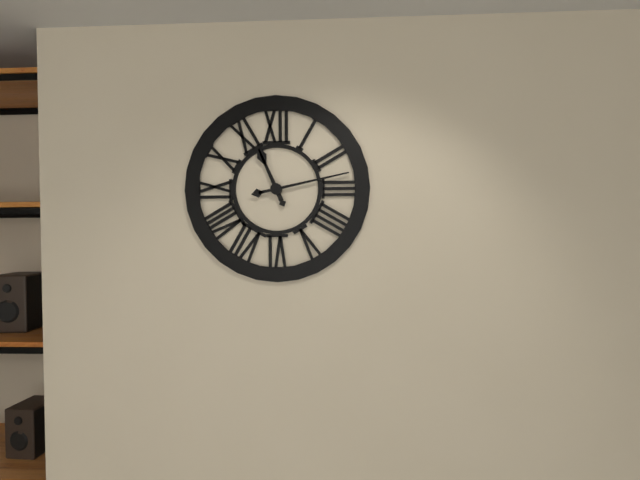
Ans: h=11 m=13
